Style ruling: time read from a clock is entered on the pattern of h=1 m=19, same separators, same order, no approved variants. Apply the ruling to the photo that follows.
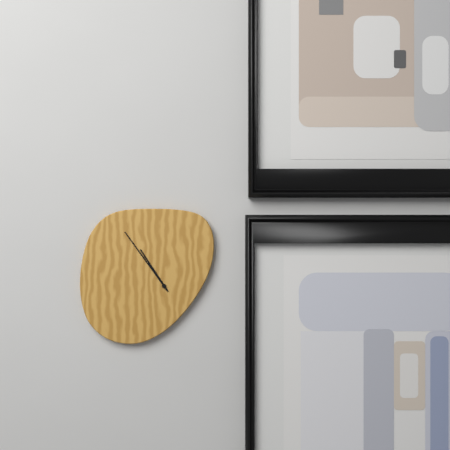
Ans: h=10 m=54
